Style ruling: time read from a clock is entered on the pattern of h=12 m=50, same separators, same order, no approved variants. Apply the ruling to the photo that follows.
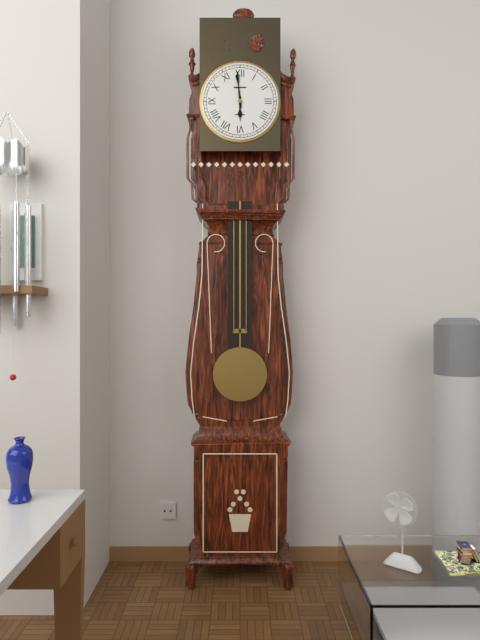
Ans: h=5 m=59
